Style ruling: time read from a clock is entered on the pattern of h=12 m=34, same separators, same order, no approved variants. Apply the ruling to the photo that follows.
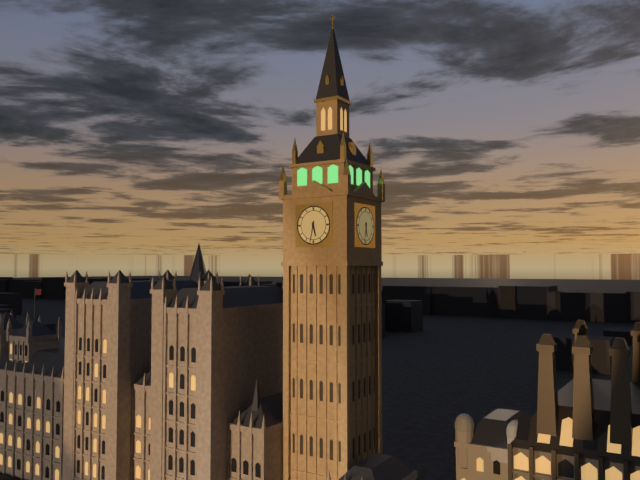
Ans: h=5 m=32
